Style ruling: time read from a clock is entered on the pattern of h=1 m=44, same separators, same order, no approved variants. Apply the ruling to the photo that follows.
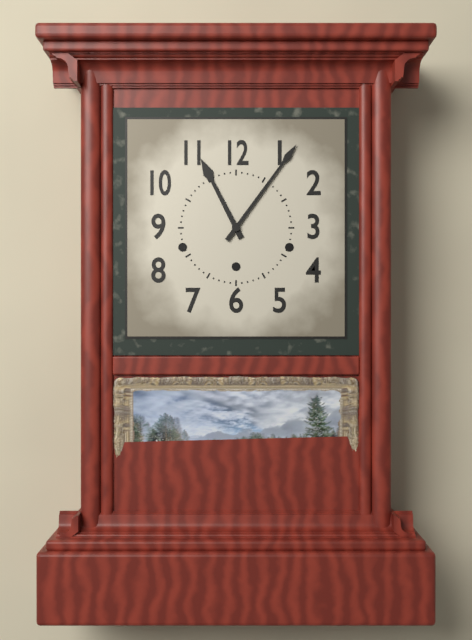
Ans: h=11 m=6
